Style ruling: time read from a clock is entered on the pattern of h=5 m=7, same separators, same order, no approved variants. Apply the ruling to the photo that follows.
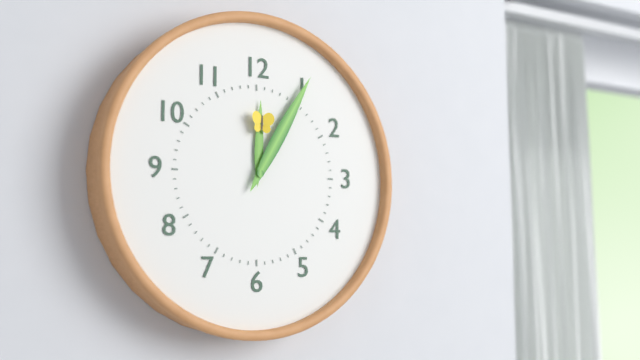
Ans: h=12 m=5
